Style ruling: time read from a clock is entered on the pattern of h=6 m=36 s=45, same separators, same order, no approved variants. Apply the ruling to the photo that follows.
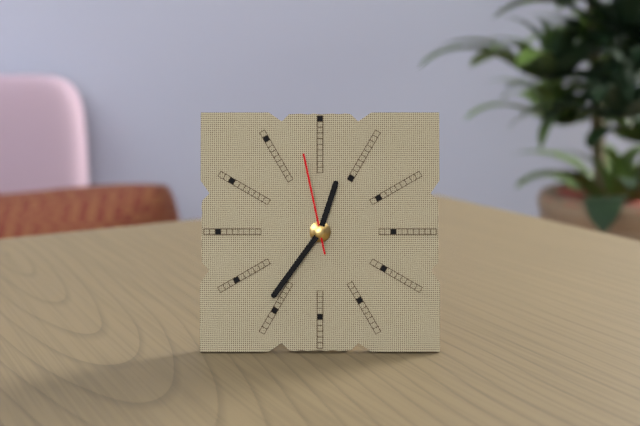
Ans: h=12 m=36 s=58
